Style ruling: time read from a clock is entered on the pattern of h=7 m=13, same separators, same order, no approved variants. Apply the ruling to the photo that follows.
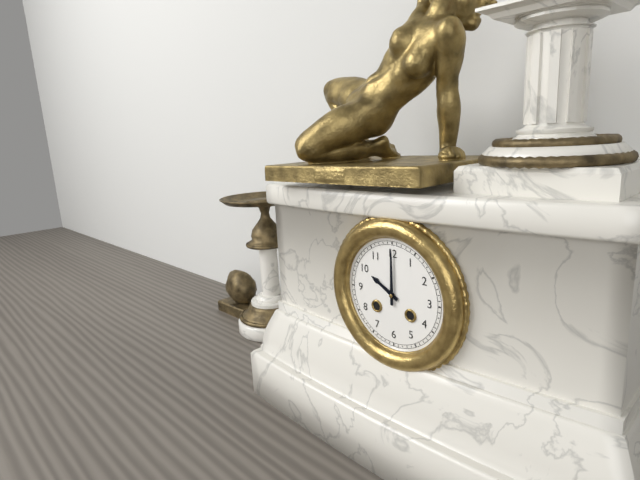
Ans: h=10 m=0
